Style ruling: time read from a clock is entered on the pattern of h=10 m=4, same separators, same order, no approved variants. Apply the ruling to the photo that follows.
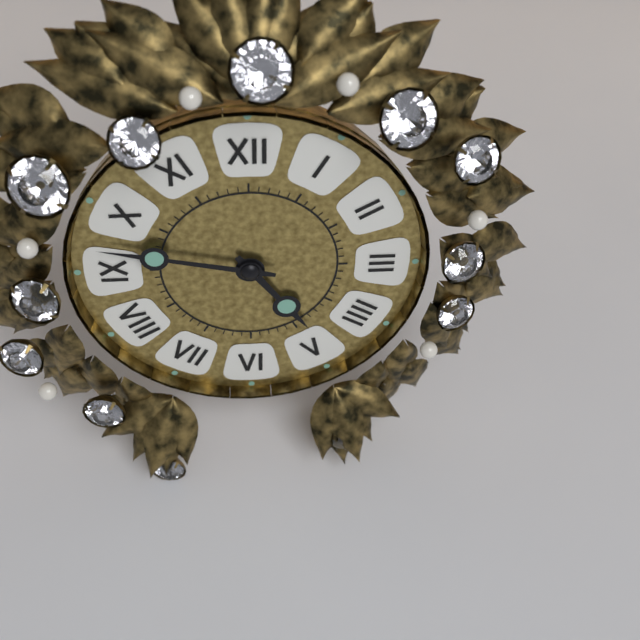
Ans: h=4 m=47
